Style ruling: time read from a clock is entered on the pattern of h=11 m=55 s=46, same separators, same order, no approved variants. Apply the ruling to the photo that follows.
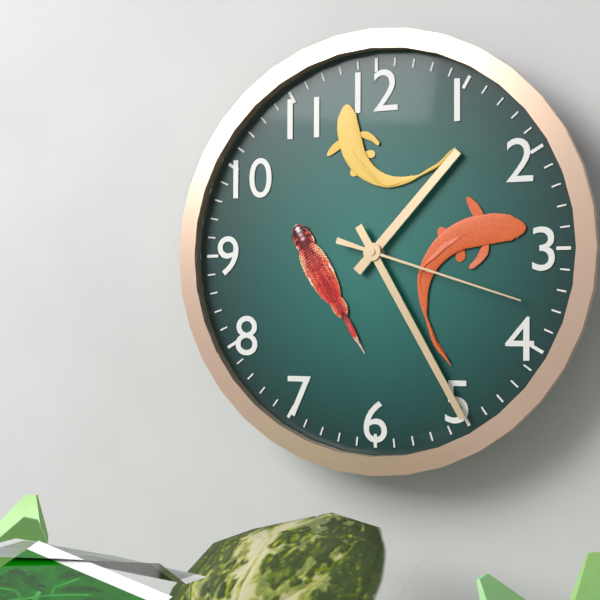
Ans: h=1 m=25 s=18
